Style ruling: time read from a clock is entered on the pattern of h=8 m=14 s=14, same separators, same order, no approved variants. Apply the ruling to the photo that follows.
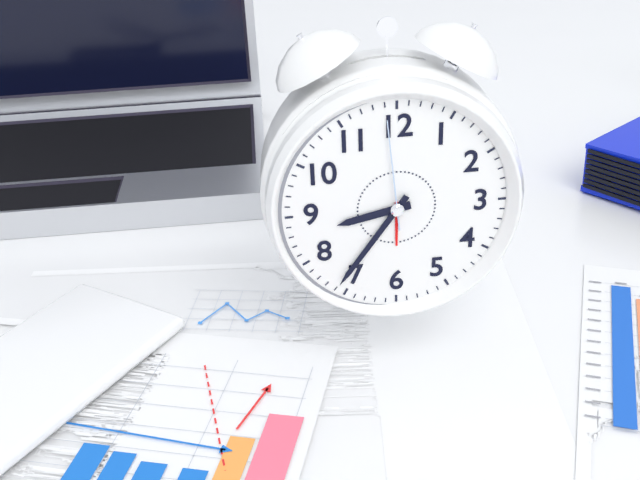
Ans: h=8 m=36 s=59
